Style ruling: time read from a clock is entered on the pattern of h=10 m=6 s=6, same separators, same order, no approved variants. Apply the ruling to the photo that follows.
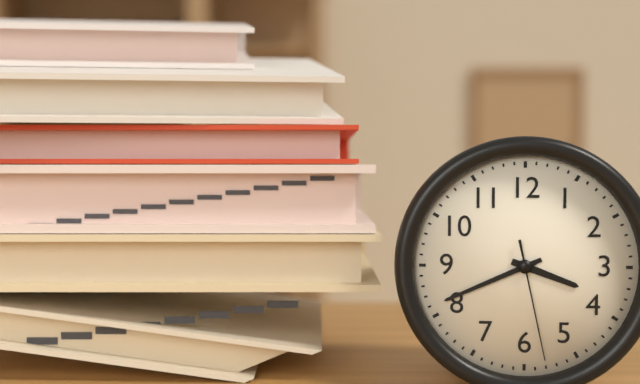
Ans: h=3 m=41 s=28
